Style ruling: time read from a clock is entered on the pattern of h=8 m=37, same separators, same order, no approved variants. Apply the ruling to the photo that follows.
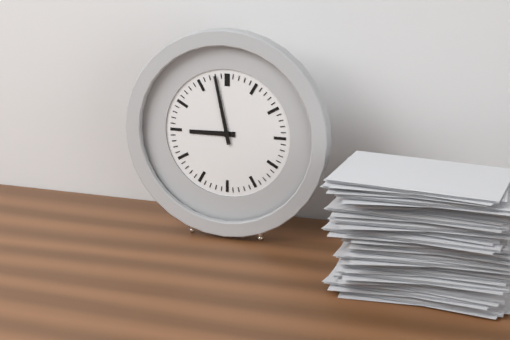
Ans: h=8 m=58
